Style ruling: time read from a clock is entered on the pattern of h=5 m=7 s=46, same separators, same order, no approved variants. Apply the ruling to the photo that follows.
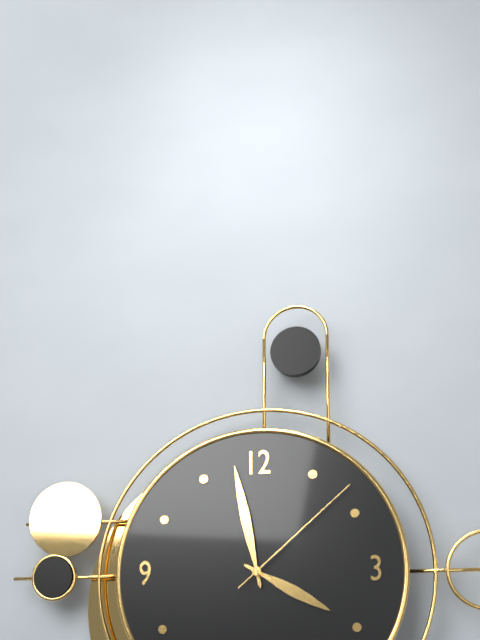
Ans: h=3 m=58 s=8
